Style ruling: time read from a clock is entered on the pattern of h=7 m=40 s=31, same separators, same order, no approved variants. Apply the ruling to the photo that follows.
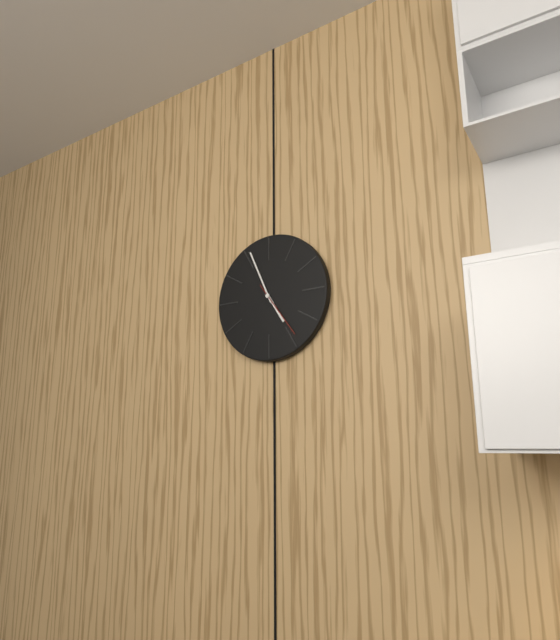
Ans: h=4 m=56 s=24
